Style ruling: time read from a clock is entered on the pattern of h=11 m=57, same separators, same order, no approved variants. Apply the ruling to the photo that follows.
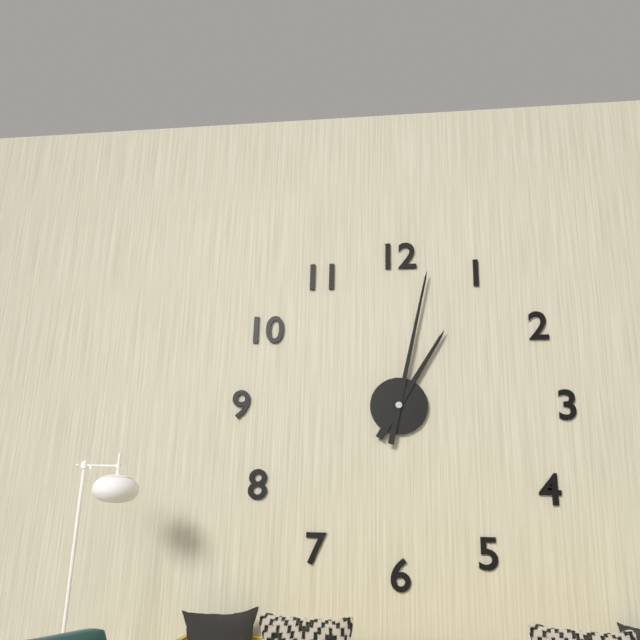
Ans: h=1 m=2
